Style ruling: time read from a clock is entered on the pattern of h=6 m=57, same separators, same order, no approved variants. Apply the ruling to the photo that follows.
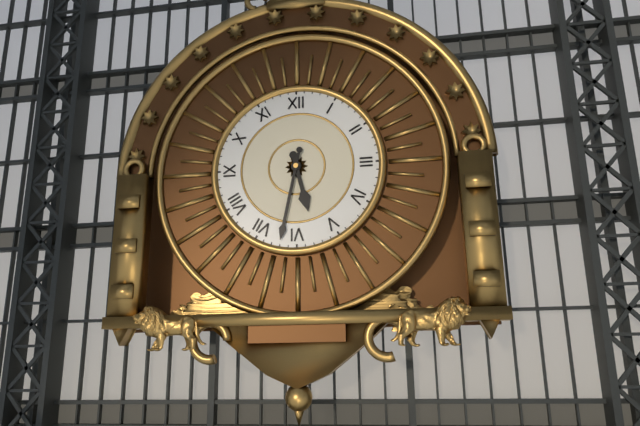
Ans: h=5 m=32
